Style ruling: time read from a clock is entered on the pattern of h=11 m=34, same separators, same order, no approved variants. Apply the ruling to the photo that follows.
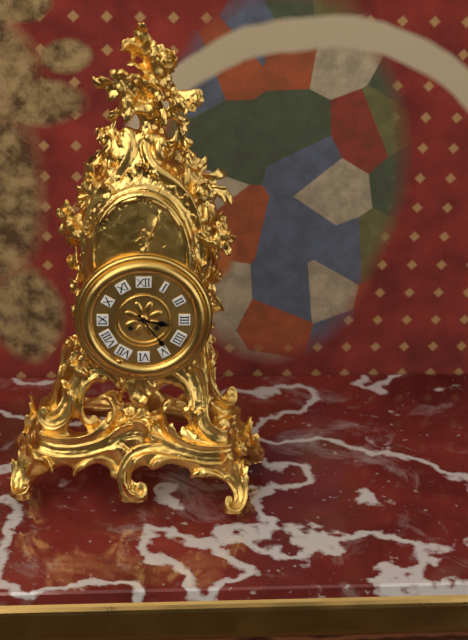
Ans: h=3 m=24
